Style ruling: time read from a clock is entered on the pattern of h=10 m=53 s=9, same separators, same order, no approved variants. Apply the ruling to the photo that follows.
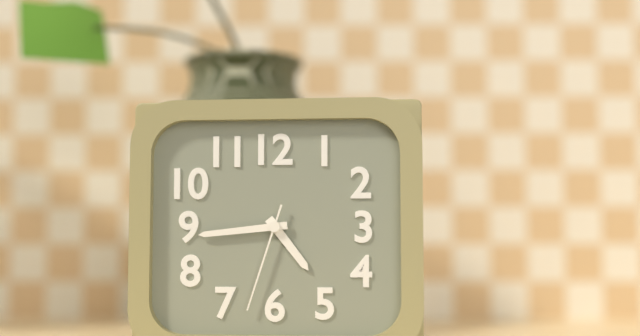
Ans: h=4 m=44 s=33
